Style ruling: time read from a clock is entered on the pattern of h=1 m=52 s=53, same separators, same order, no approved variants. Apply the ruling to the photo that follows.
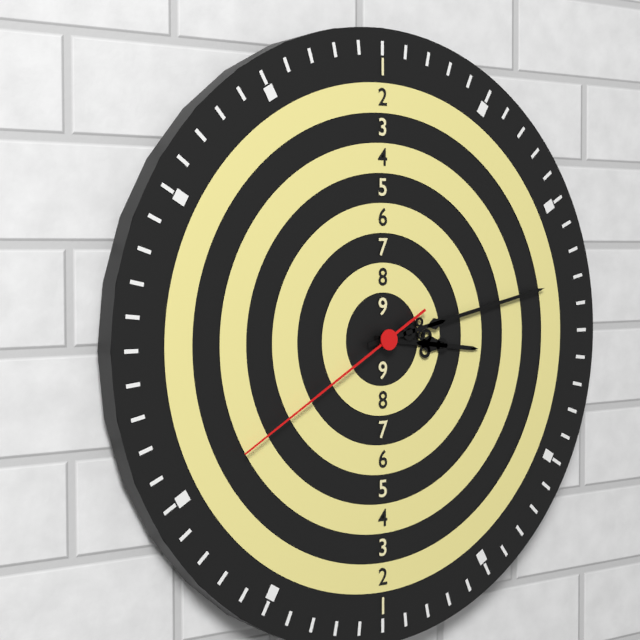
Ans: h=3 m=13 s=40
